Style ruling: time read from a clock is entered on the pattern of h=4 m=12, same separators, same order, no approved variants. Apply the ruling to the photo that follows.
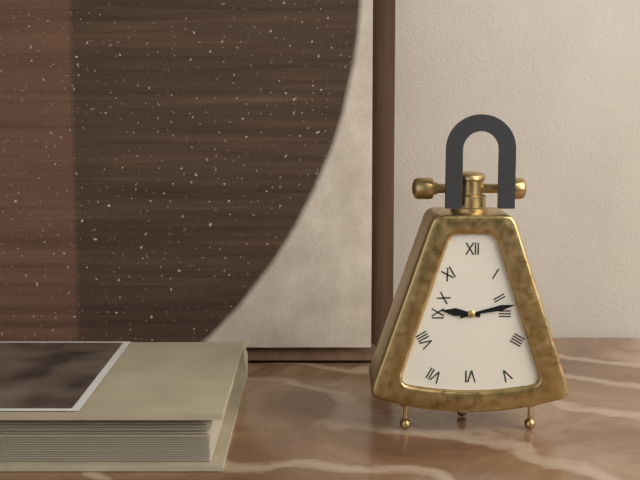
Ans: h=9 m=13
